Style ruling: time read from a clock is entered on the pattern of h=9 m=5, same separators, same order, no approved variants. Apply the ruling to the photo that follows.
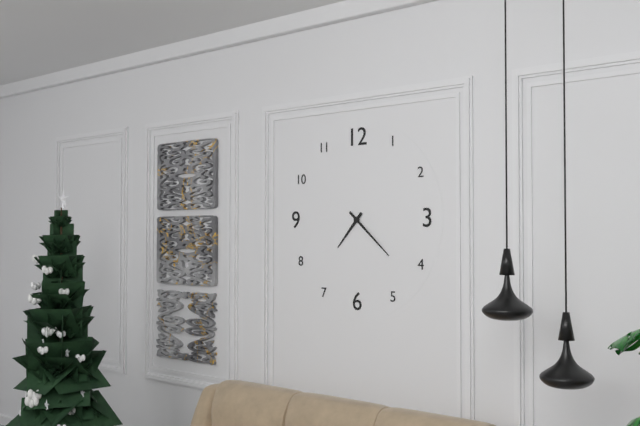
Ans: h=7 m=22
